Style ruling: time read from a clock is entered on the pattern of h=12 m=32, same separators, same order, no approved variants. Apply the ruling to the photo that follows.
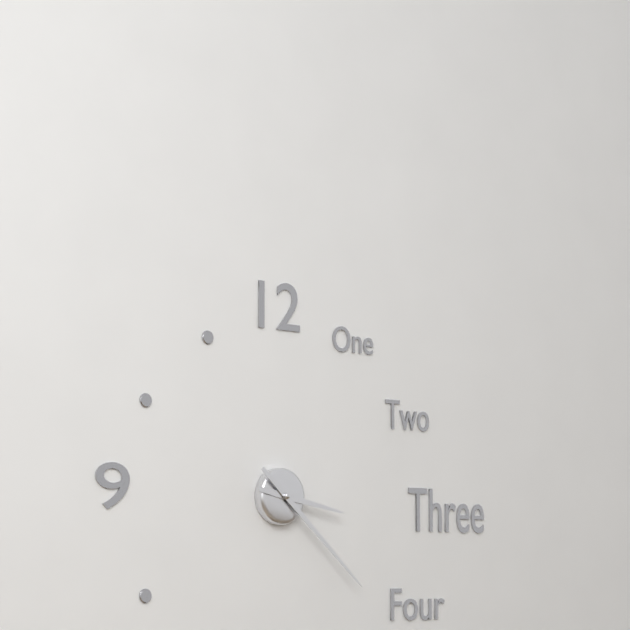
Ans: h=3 m=22
